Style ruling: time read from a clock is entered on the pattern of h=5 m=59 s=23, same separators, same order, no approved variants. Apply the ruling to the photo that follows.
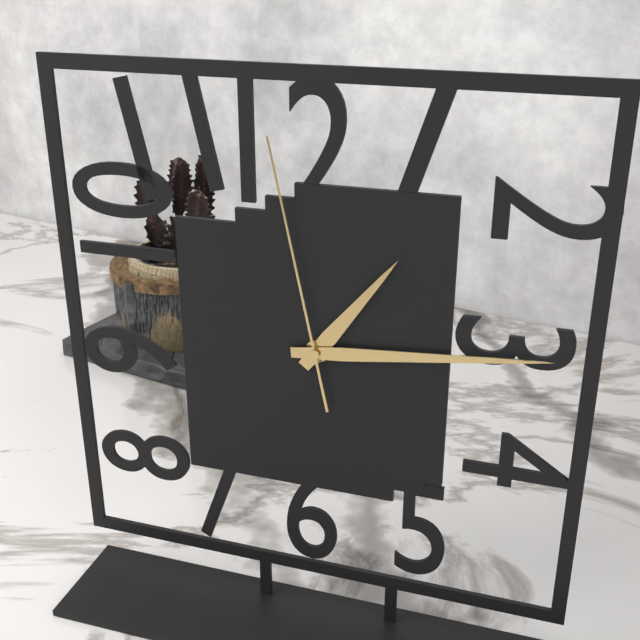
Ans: h=1 m=14 s=58
